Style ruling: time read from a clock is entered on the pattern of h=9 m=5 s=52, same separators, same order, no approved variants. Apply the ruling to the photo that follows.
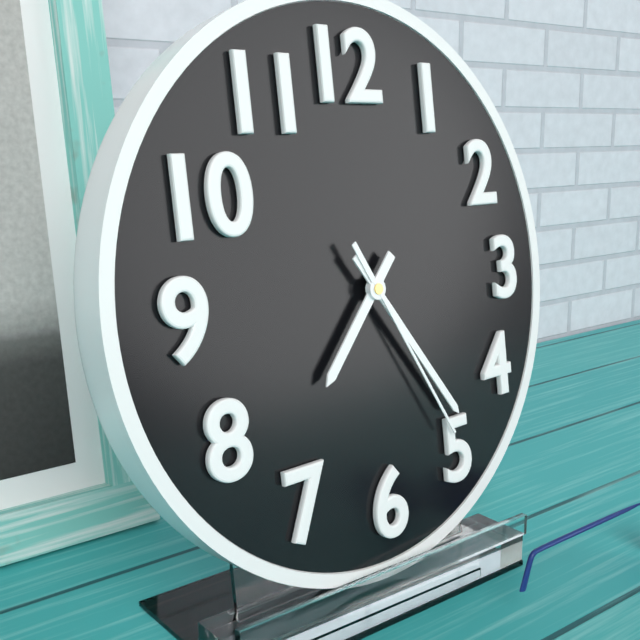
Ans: h=7 m=24 s=25
